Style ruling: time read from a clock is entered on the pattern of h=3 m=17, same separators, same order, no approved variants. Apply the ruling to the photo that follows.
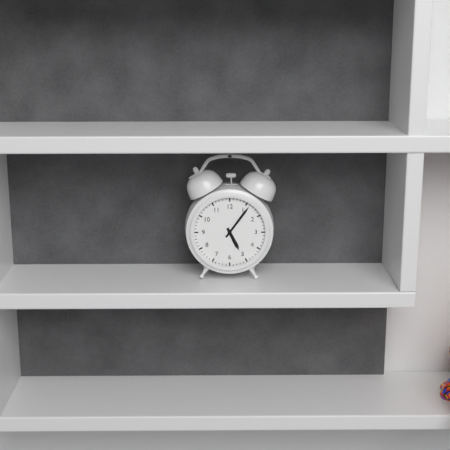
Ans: h=5 m=6
